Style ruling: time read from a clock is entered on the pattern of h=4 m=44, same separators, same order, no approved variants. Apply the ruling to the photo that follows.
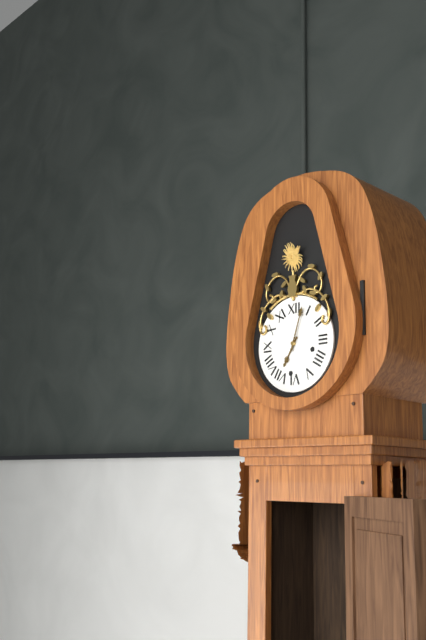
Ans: h=7 m=3
